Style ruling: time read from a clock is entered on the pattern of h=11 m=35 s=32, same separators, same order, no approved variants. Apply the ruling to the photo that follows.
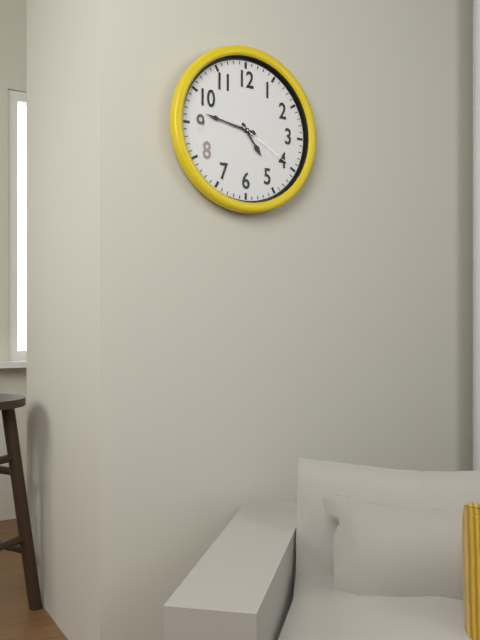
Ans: h=4 m=47 s=20
